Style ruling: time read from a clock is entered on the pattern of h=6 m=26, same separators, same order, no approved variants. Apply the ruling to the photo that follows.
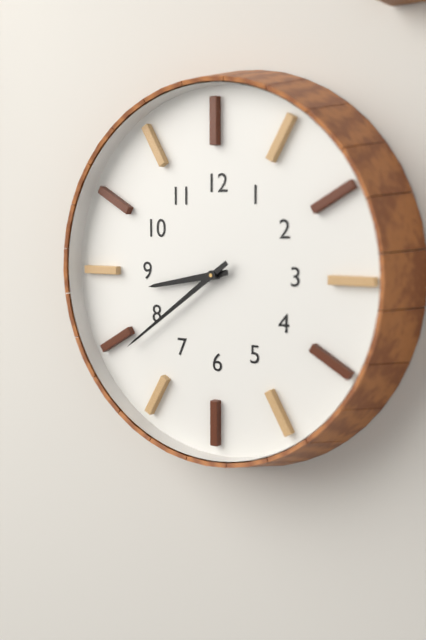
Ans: h=8 m=39
